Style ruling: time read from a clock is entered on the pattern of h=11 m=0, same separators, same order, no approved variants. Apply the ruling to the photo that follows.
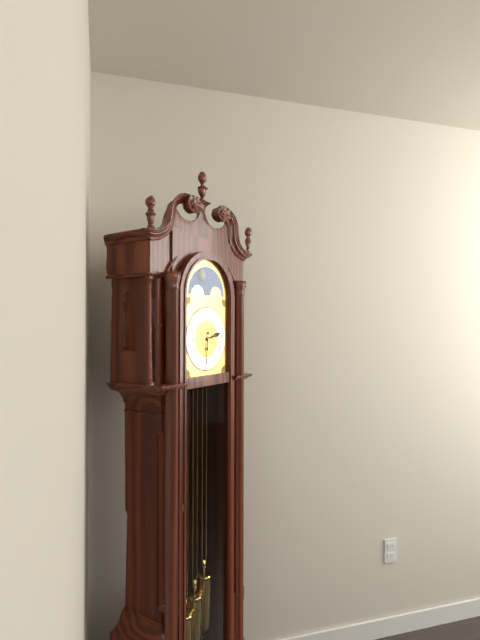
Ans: h=2 m=31
